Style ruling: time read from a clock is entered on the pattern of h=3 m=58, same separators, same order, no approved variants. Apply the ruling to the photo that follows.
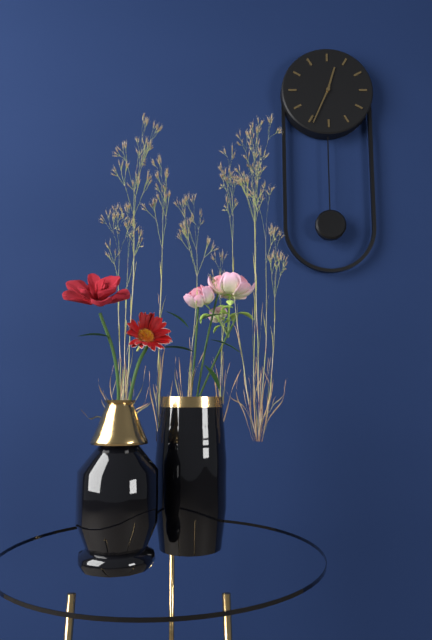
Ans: h=12 m=34
